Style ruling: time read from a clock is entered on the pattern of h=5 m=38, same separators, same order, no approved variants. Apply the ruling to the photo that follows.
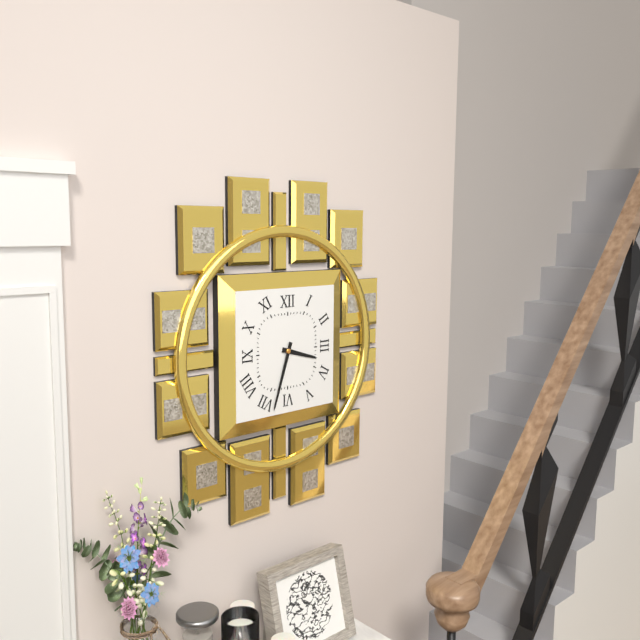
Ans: h=3 m=33
